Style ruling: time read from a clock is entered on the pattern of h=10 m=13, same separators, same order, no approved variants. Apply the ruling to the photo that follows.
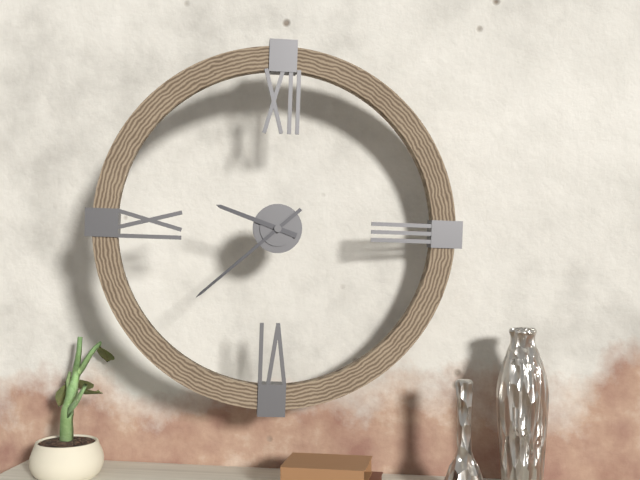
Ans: h=9 m=38
